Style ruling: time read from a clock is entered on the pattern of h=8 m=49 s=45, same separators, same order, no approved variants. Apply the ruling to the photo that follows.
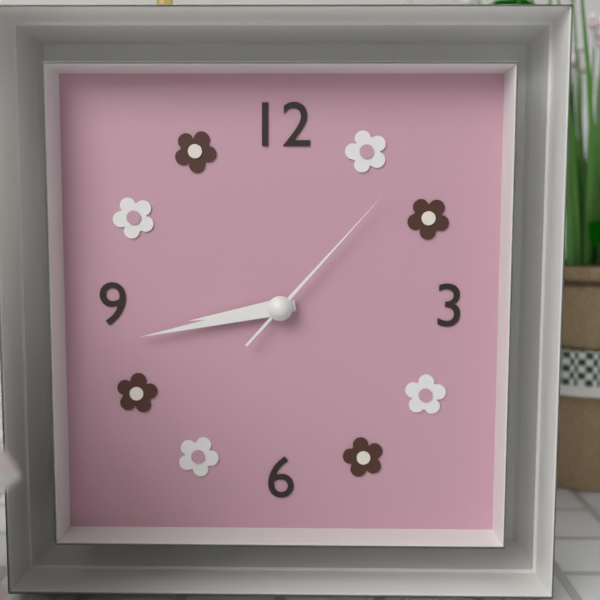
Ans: h=8 m=43 s=7
